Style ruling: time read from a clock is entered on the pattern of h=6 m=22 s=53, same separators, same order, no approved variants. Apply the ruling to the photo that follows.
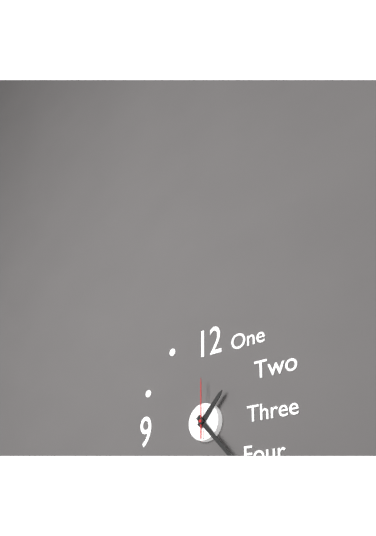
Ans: h=1 m=23 s=0
